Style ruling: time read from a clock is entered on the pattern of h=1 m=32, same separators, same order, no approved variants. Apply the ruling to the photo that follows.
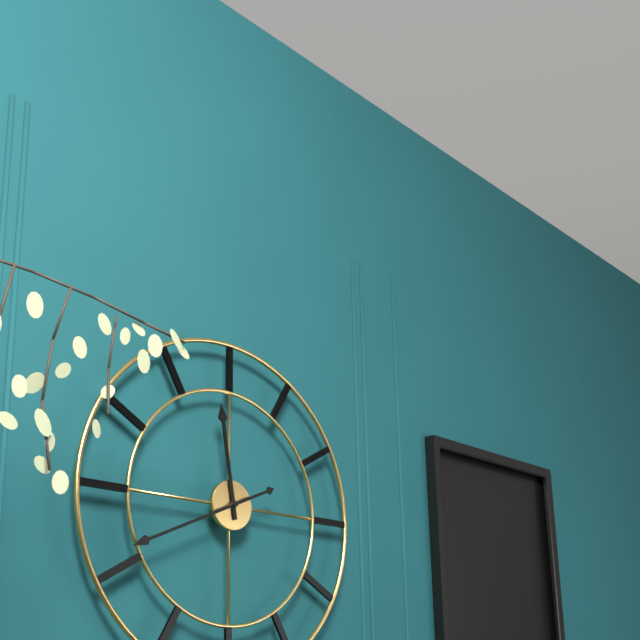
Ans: h=11 m=41
